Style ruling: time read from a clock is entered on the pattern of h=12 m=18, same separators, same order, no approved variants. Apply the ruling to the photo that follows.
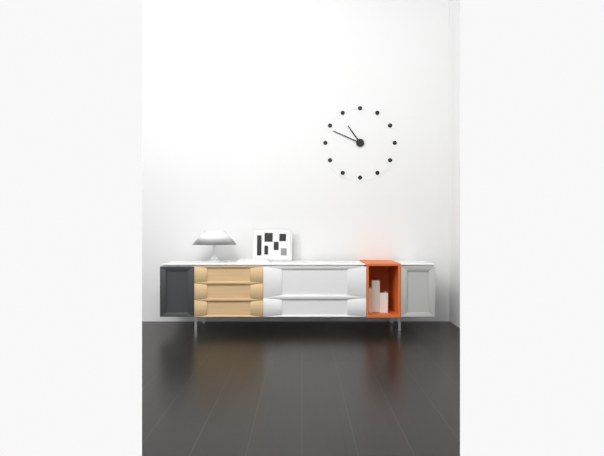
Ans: h=10 m=49
